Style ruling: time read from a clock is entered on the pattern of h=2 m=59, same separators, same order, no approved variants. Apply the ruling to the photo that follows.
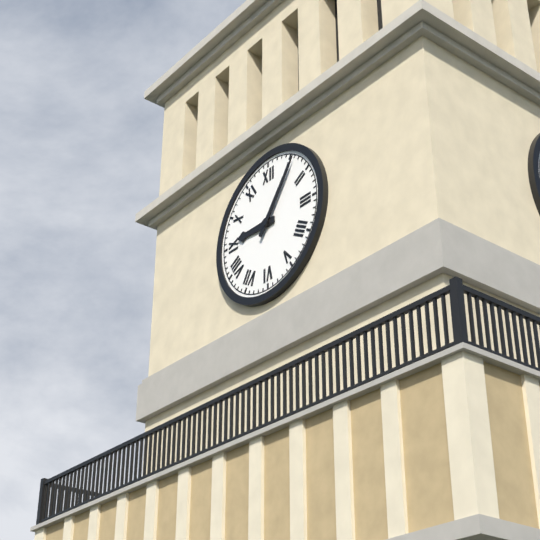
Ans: h=9 m=6
